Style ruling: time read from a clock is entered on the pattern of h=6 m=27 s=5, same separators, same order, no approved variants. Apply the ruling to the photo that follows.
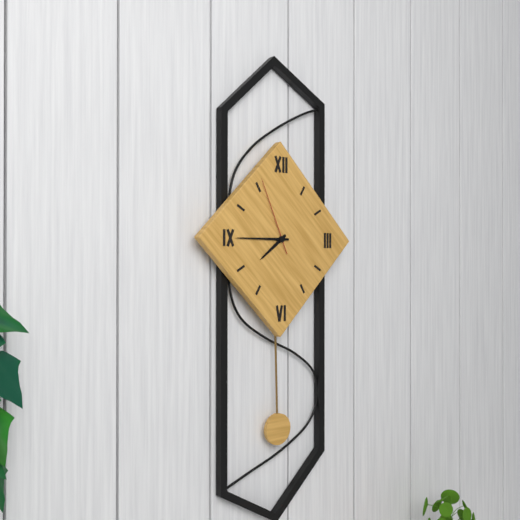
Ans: h=7 m=45 s=56
